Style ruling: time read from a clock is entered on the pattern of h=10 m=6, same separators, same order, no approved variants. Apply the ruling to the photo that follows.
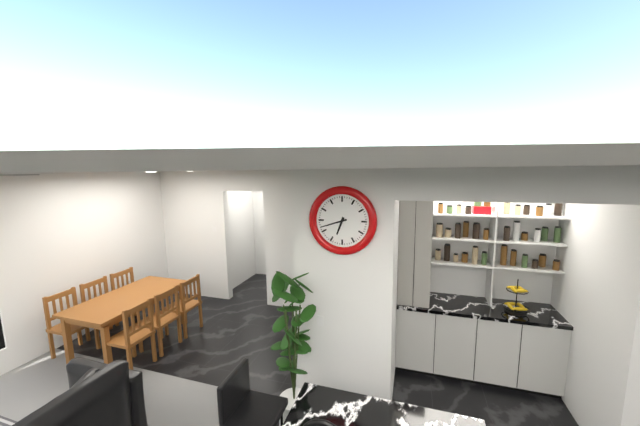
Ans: h=6 m=42
